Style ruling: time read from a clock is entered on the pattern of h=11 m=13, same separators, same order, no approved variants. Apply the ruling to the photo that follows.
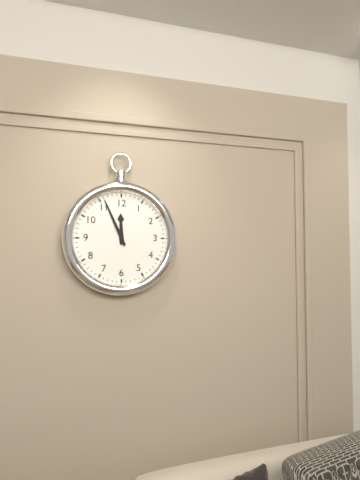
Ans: h=11 m=56
